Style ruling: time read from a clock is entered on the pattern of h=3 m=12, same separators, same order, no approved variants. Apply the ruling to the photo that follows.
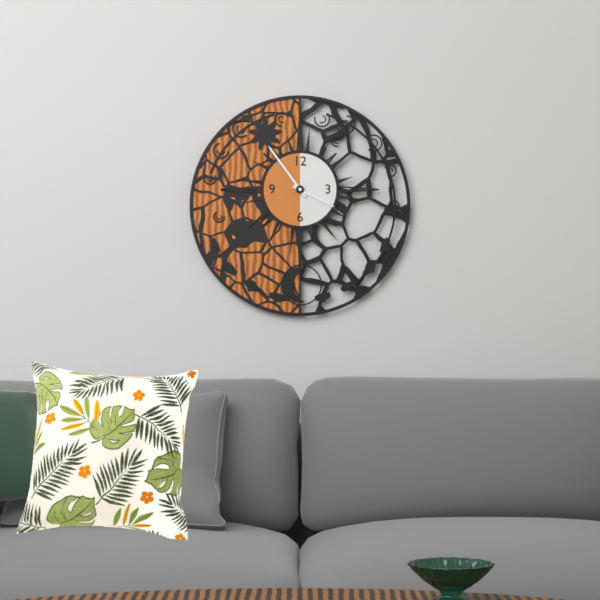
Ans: h=3 m=54
